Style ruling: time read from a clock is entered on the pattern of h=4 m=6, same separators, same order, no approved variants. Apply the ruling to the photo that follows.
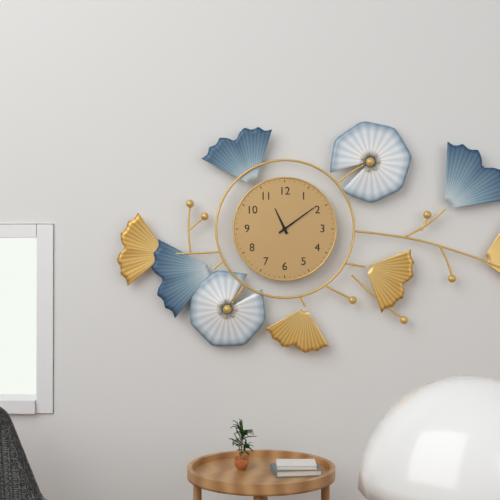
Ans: h=11 m=9
